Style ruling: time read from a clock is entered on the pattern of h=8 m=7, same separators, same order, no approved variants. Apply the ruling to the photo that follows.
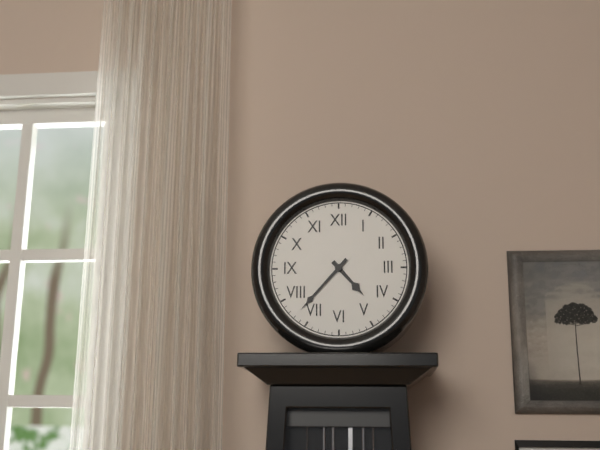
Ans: h=4 m=37
